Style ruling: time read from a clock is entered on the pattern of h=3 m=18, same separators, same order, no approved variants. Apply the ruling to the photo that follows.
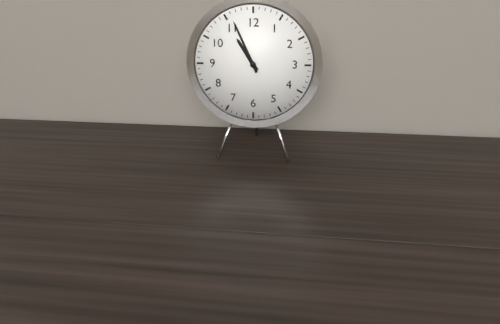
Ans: h=10 m=56
